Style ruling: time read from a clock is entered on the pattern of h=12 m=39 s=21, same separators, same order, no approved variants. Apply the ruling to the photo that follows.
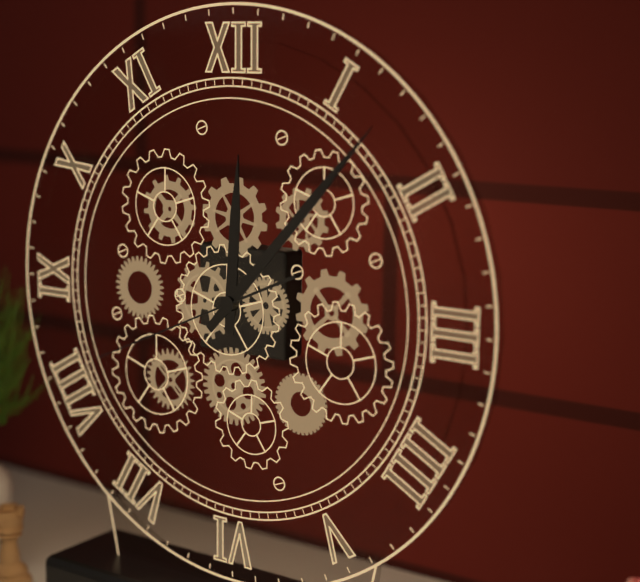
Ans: h=12 m=7 s=41
